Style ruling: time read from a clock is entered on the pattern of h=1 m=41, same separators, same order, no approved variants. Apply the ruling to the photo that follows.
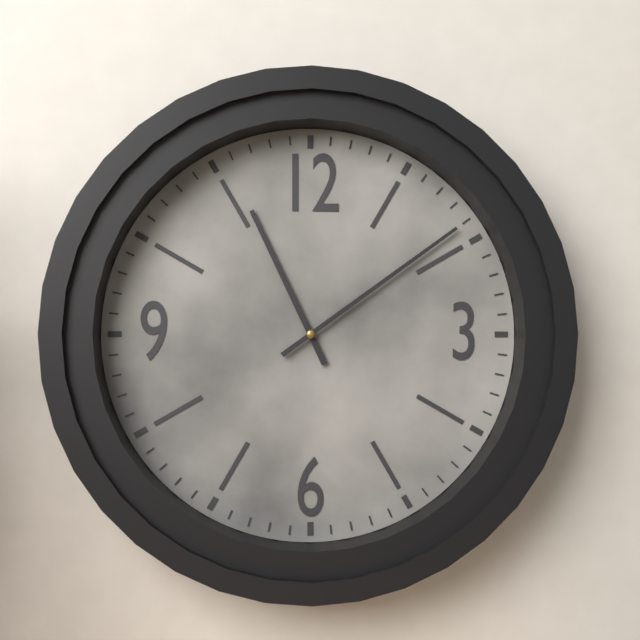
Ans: h=11 m=9
